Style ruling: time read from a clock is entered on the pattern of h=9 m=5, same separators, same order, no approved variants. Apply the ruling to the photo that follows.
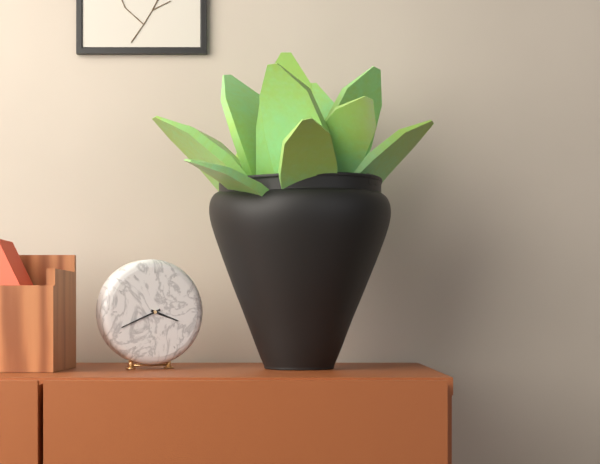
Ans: h=3 m=41
